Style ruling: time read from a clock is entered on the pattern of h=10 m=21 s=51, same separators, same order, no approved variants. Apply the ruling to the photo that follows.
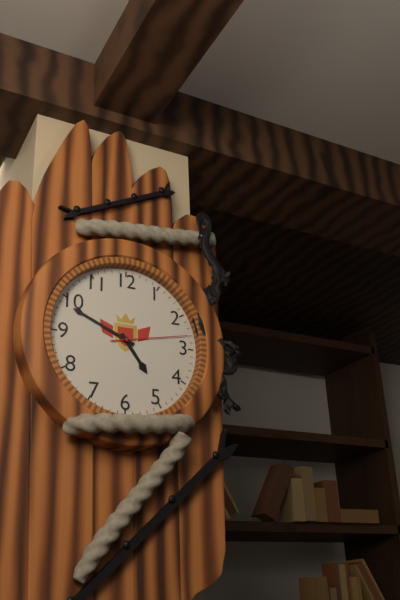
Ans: h=4 m=49 s=13
